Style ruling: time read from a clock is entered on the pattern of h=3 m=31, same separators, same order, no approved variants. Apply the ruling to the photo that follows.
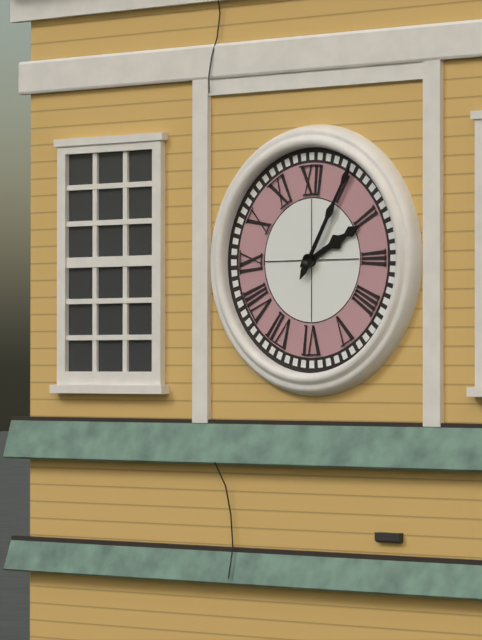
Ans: h=2 m=5
